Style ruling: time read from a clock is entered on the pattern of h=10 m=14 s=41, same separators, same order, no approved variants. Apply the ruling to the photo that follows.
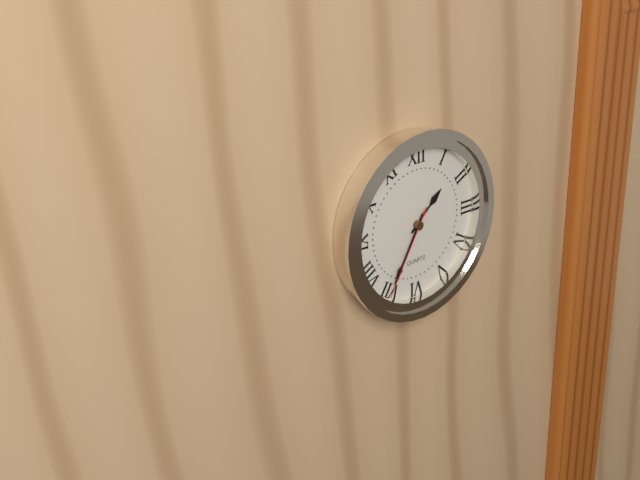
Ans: h=1 m=35 s=35
